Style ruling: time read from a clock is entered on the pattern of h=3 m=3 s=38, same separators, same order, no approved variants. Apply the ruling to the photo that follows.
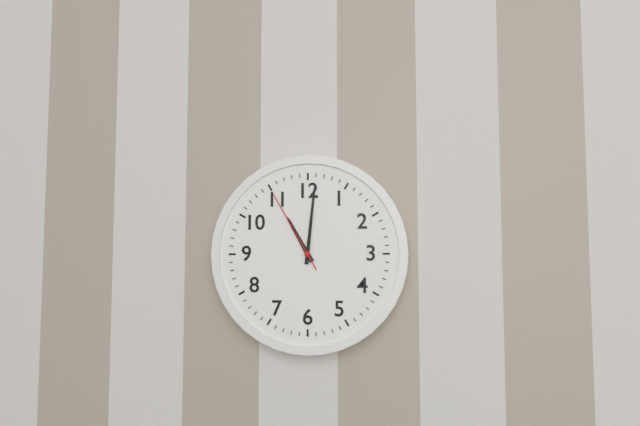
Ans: h=11 m=1 s=55
